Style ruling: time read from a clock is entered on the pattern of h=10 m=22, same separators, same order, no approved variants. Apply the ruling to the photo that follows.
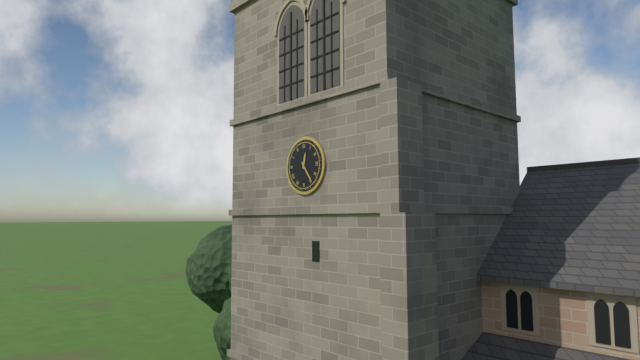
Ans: h=12 m=24
